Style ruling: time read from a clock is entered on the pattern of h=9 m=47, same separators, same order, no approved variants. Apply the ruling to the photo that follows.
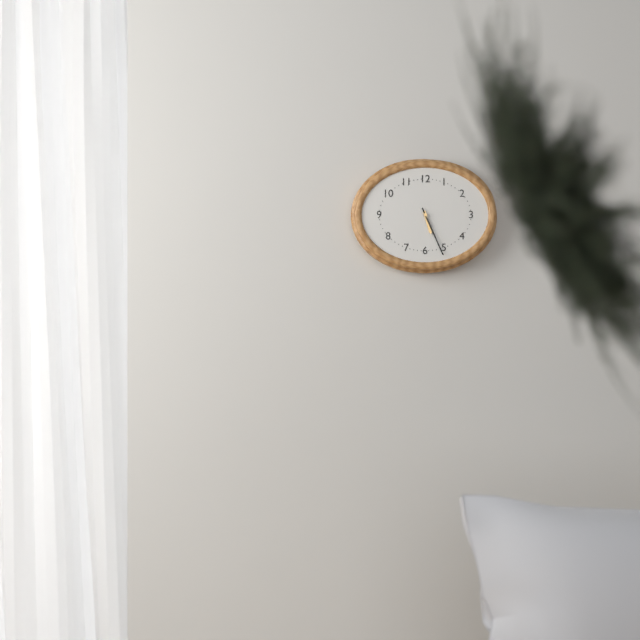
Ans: h=5 m=26
